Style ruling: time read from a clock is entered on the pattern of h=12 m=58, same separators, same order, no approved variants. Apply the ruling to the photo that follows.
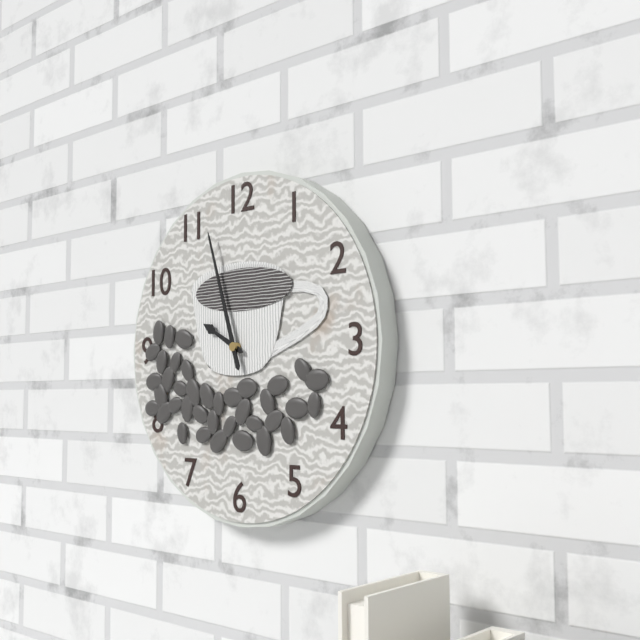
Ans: h=9 m=57
